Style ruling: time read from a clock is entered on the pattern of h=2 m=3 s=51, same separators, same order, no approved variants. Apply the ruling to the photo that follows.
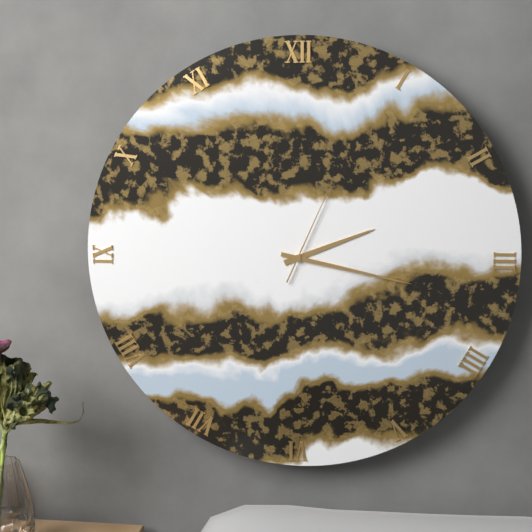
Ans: h=2 m=17 s=4
